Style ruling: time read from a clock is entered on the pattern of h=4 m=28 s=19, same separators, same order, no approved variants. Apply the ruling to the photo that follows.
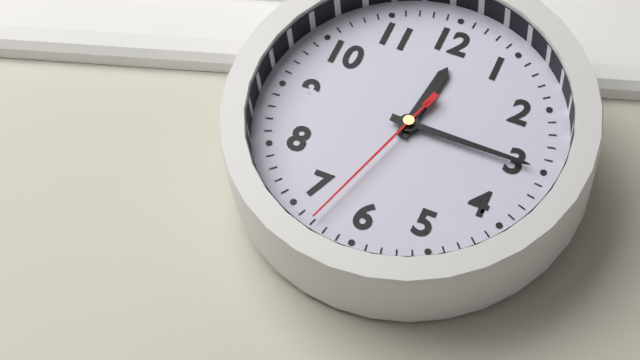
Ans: h=12 m=15 s=33
